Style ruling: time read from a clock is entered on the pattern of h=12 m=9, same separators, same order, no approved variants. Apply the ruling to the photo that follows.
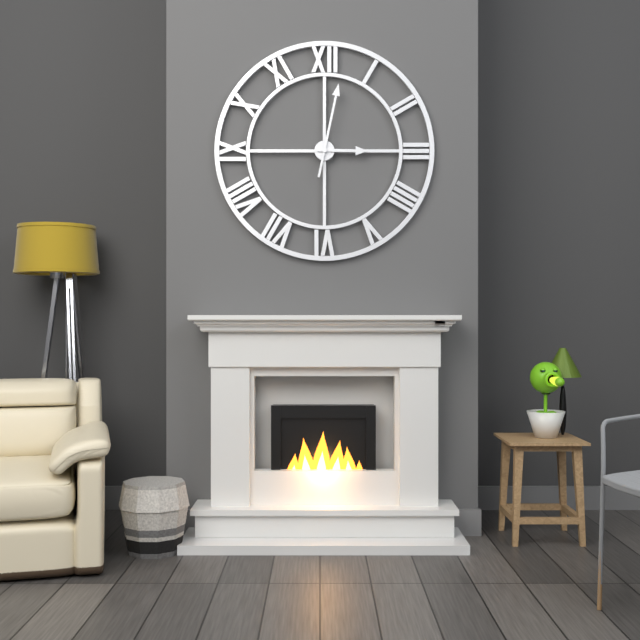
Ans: h=3 m=2
